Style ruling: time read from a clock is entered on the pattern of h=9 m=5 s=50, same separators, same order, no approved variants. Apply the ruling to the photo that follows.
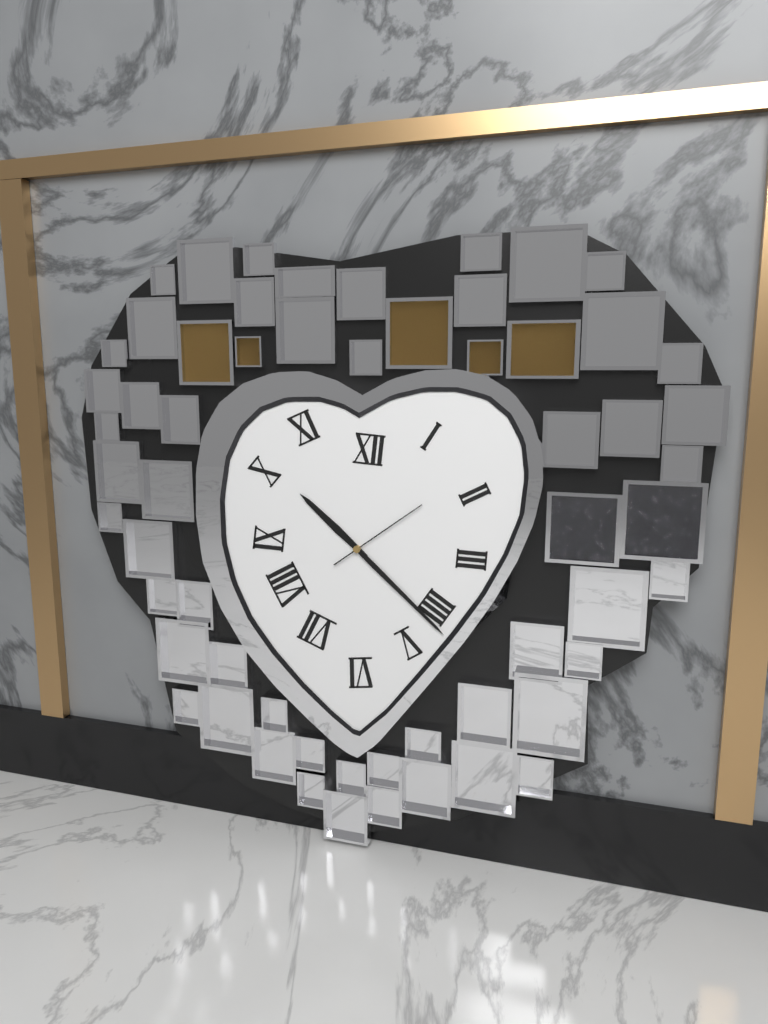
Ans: h=10 m=22 s=9
